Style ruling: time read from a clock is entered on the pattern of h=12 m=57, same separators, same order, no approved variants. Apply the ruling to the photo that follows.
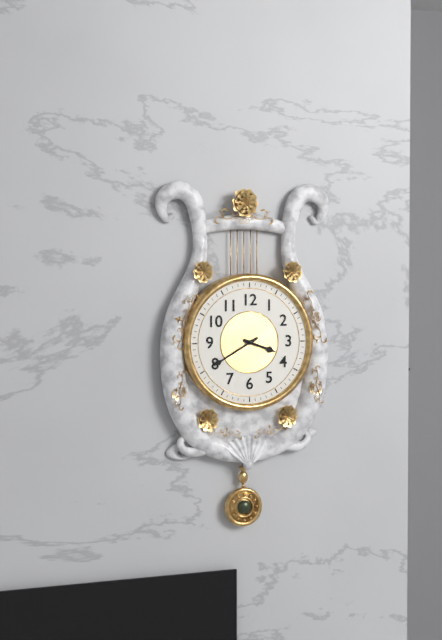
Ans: h=3 m=40
